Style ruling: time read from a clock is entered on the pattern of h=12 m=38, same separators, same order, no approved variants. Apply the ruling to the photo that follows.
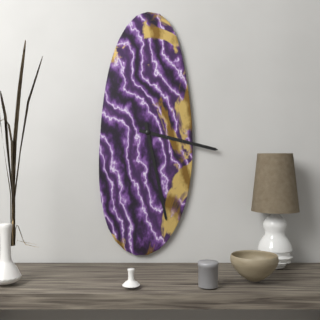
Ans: h=3 m=28
